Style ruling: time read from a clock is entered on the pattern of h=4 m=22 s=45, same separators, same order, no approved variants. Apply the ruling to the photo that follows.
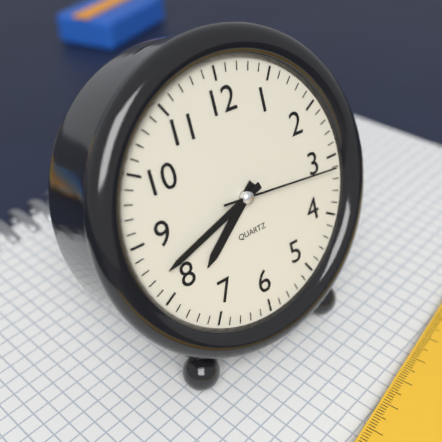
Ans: h=7 m=42 s=16
